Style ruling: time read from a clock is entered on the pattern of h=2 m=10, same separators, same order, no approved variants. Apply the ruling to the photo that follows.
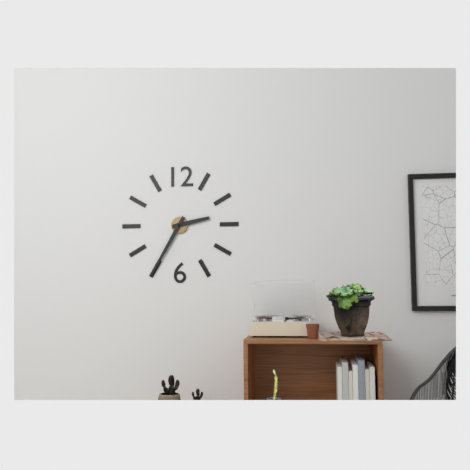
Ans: h=2 m=35
